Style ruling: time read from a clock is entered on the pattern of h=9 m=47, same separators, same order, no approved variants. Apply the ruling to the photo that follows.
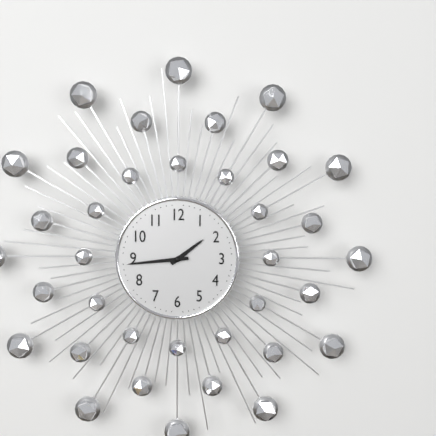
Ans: h=1 m=44
